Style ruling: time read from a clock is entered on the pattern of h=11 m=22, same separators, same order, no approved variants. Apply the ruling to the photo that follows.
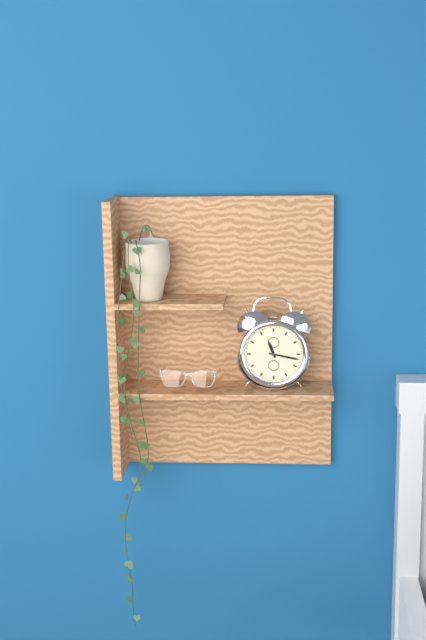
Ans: h=11 m=17
